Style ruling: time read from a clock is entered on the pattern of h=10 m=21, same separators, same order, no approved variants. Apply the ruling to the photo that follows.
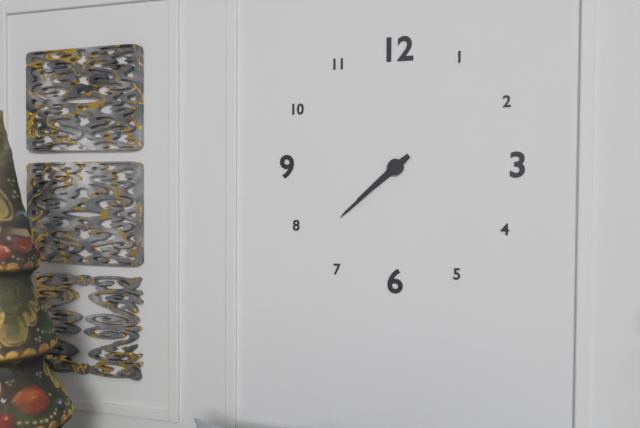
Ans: h=7 m=38
